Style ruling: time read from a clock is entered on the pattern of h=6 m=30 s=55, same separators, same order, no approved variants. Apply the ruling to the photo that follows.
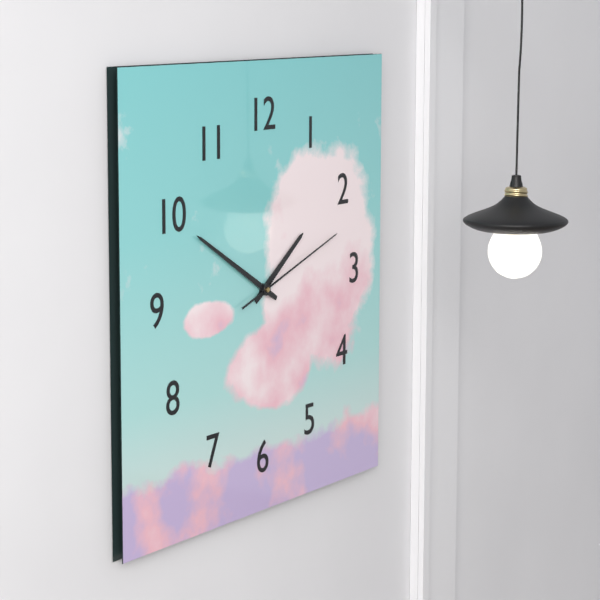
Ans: h=1 m=50 s=12
